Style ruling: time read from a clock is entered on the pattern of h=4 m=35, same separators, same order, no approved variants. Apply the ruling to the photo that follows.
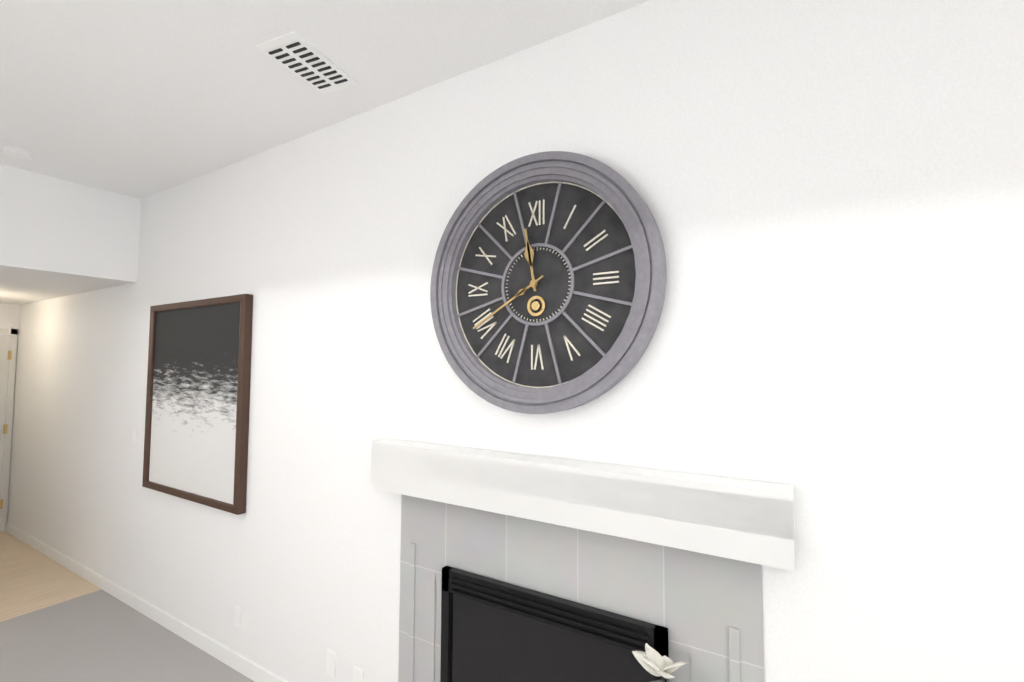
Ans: h=11 m=40
